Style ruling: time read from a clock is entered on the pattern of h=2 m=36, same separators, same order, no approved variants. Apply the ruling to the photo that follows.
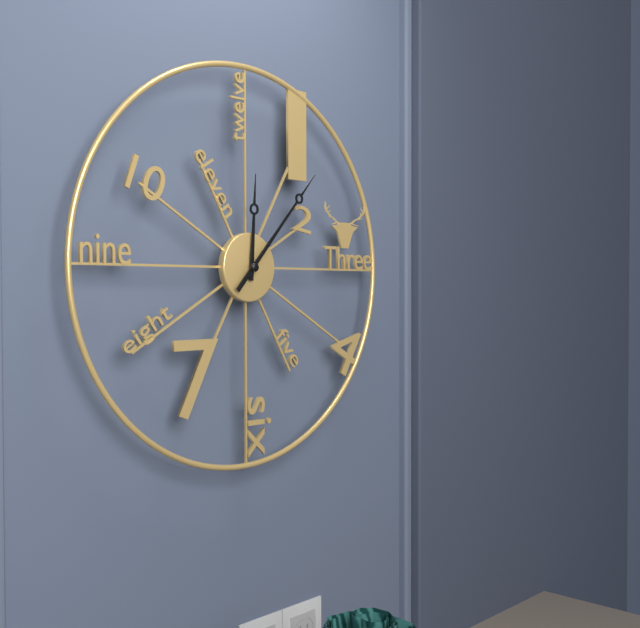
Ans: h=12 m=7
